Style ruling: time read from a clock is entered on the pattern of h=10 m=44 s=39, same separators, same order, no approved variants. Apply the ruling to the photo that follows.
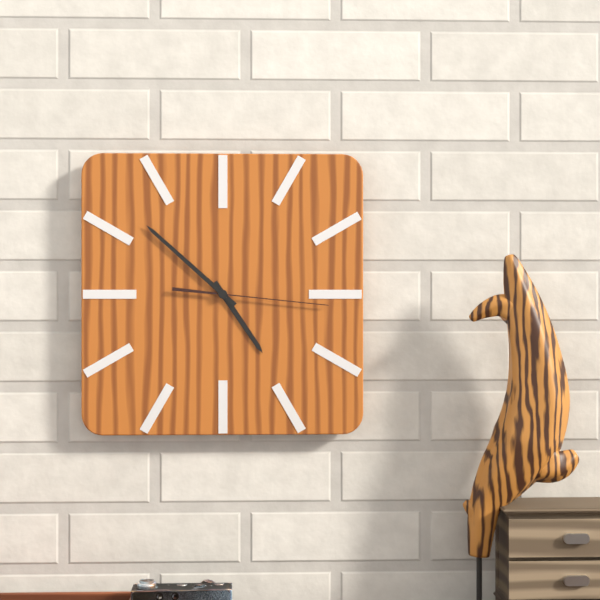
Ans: h=4 m=52 s=16
